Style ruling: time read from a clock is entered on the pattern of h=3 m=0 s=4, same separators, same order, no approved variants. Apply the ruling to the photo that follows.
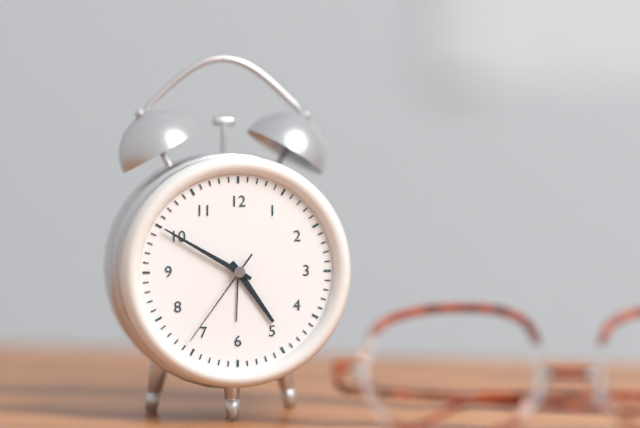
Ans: h=4 m=50 s=36
